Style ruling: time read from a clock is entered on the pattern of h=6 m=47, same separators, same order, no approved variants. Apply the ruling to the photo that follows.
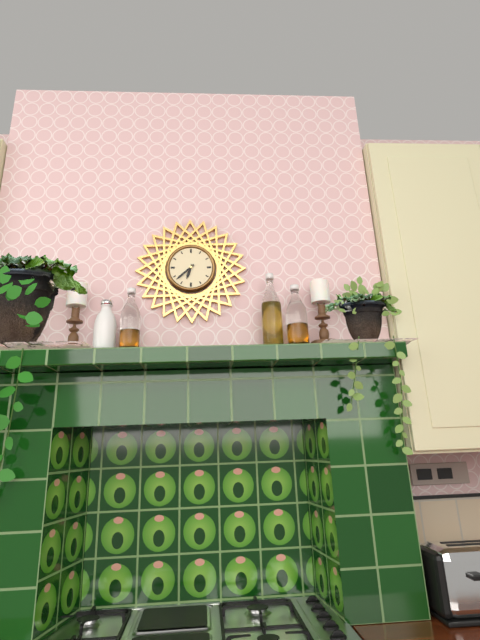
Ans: h=6 m=38
